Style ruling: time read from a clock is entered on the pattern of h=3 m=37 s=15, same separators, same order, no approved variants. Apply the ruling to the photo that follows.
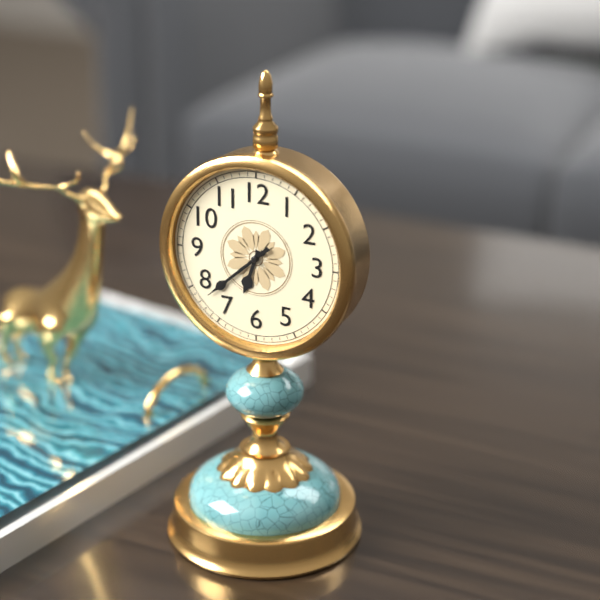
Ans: h=6 m=38 s=38
